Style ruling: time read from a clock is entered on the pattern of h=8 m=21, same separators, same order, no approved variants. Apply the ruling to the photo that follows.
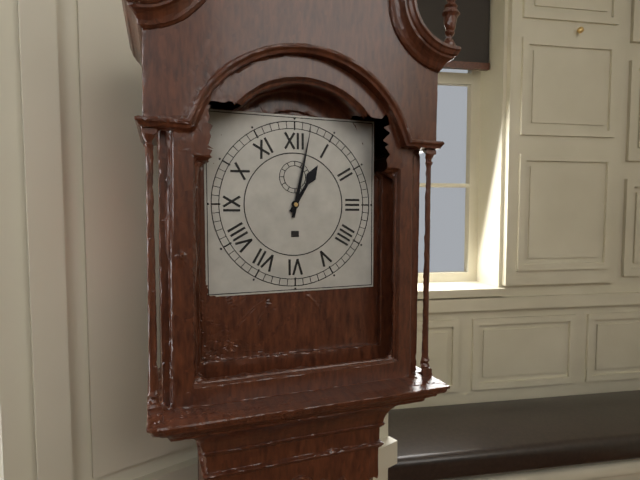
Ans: h=1 m=2
